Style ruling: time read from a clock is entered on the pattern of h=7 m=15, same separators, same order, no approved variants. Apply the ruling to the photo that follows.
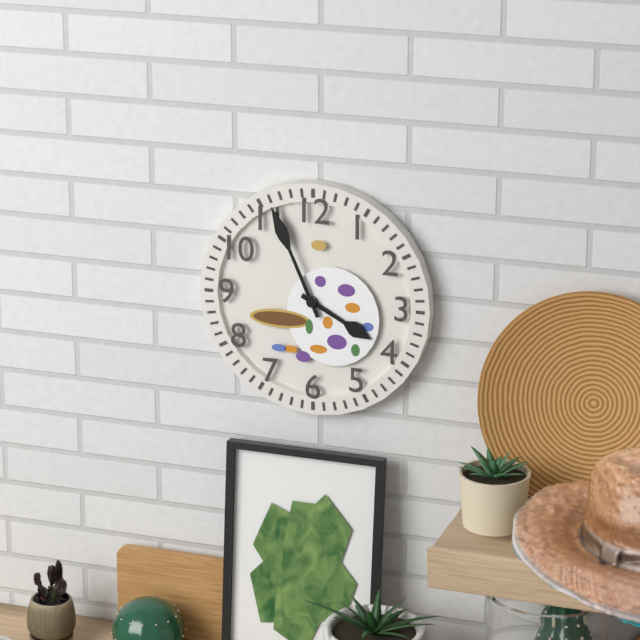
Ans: h=3 m=56
